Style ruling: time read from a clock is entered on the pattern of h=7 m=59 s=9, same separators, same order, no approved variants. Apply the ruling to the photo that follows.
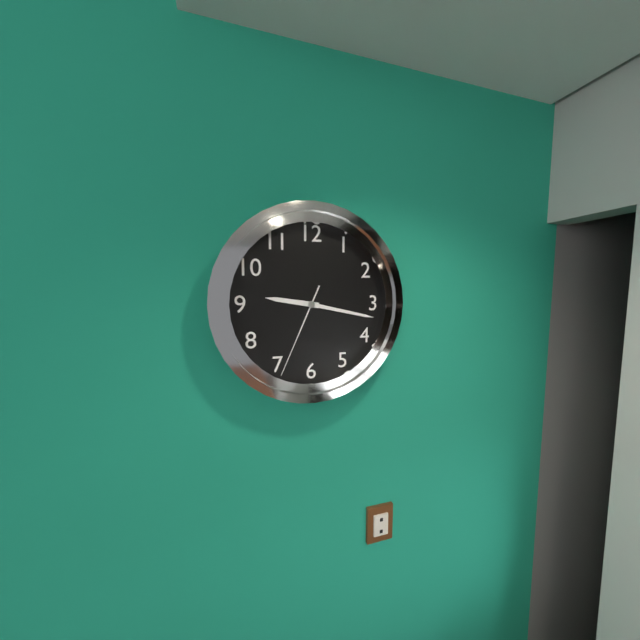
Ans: h=9 m=17 s=34
